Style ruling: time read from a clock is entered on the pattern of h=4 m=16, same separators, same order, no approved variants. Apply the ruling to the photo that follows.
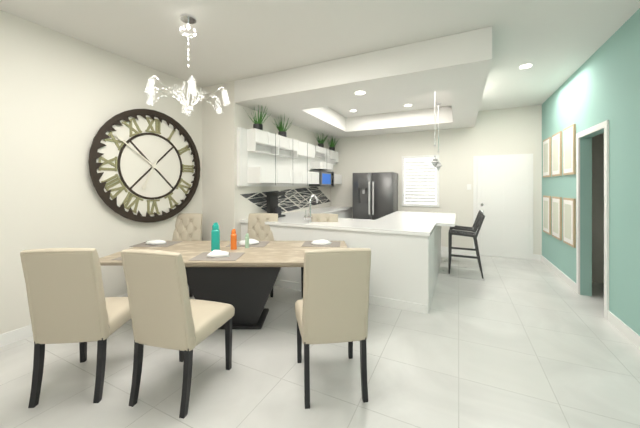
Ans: h=6 m=51
